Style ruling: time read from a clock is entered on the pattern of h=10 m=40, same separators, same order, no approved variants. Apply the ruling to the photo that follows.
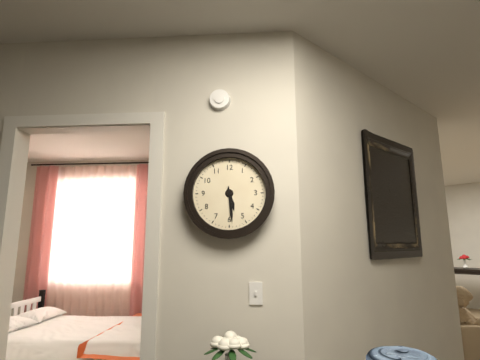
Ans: h=5 m=29
